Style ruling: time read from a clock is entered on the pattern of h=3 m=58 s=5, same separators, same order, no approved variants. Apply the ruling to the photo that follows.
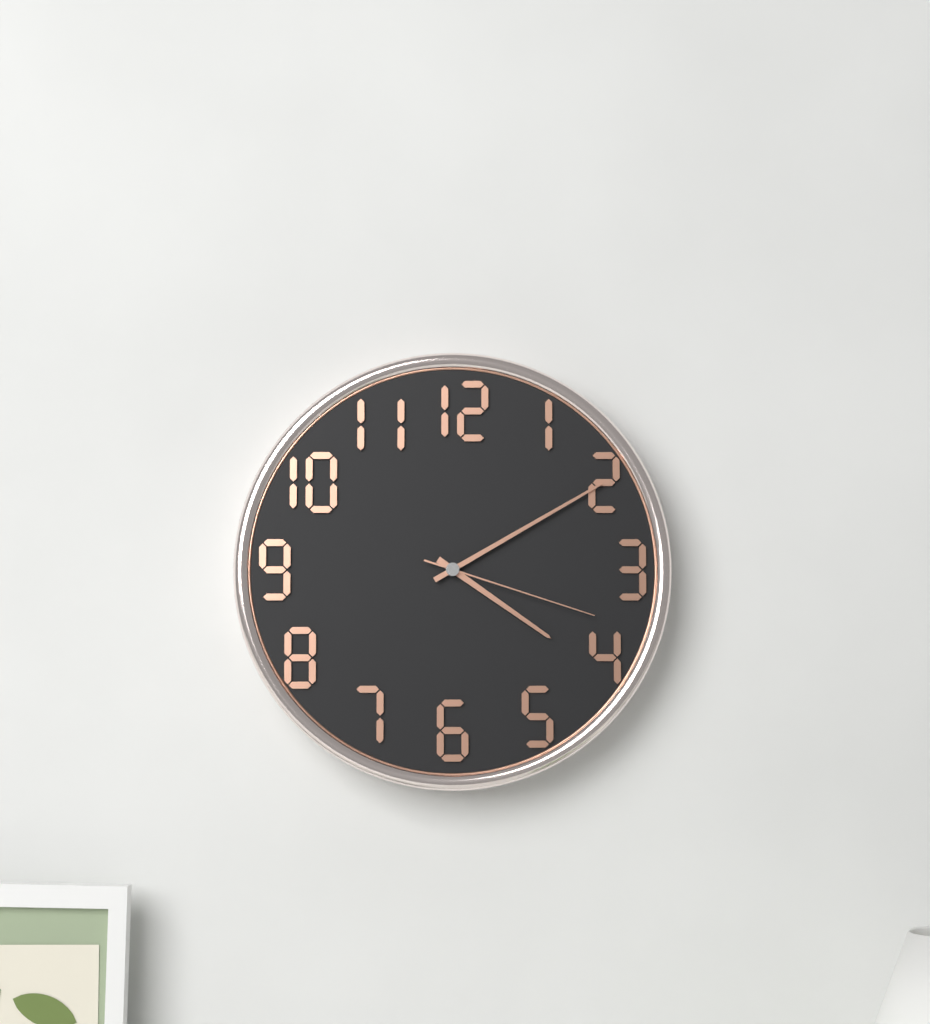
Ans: h=4 m=10 s=18
